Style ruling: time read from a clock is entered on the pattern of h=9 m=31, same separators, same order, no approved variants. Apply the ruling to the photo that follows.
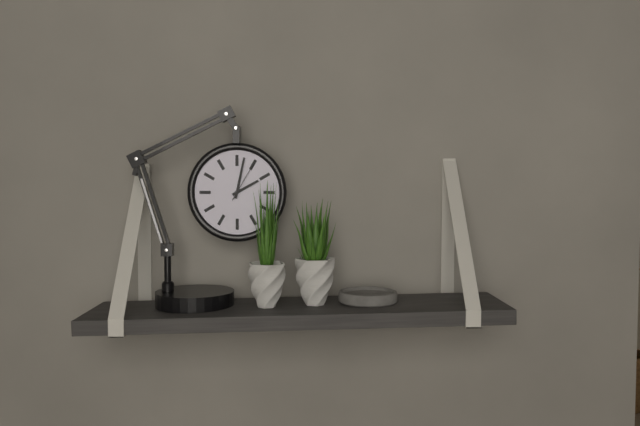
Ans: h=2 m=2
